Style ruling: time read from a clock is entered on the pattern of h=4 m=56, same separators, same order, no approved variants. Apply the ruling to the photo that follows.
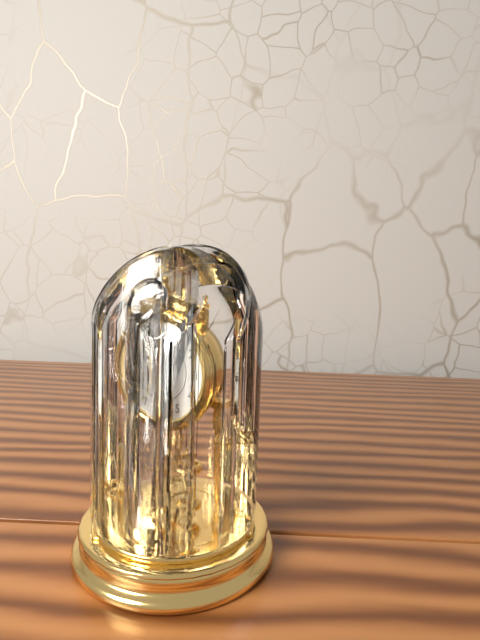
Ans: h=1 m=57
